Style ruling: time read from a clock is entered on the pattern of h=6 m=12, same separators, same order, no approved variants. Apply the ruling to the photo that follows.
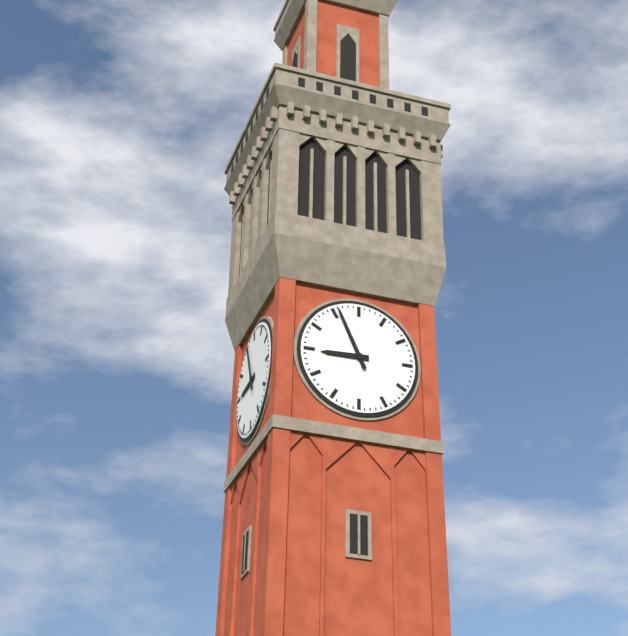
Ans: h=8 m=56
